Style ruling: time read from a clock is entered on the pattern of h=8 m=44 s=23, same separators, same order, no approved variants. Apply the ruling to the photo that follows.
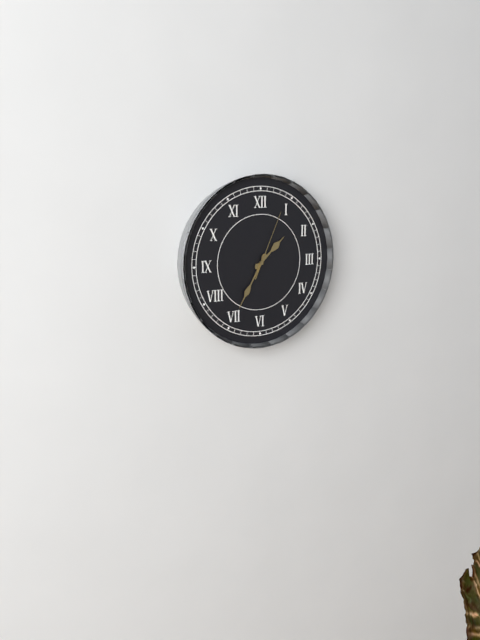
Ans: h=1 m=35 s=4
